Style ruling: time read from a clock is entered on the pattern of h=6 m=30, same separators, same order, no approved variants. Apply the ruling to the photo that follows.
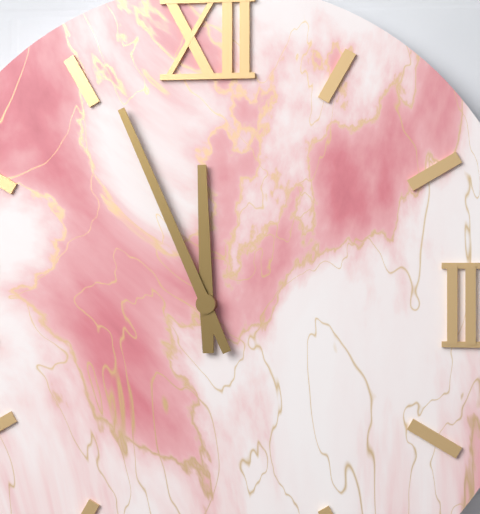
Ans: h=11 m=56
